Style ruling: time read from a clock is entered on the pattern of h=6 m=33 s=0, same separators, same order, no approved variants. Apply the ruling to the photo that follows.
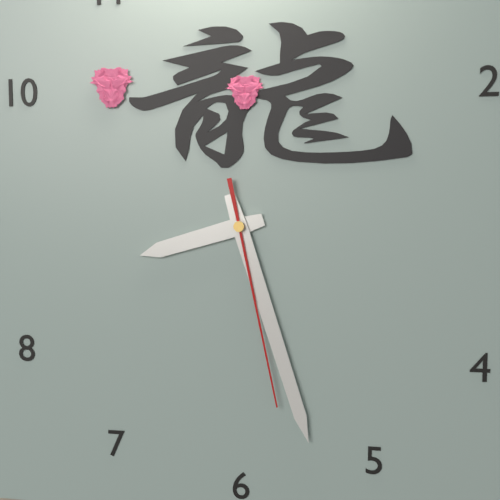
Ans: h=8 m=27 s=28
